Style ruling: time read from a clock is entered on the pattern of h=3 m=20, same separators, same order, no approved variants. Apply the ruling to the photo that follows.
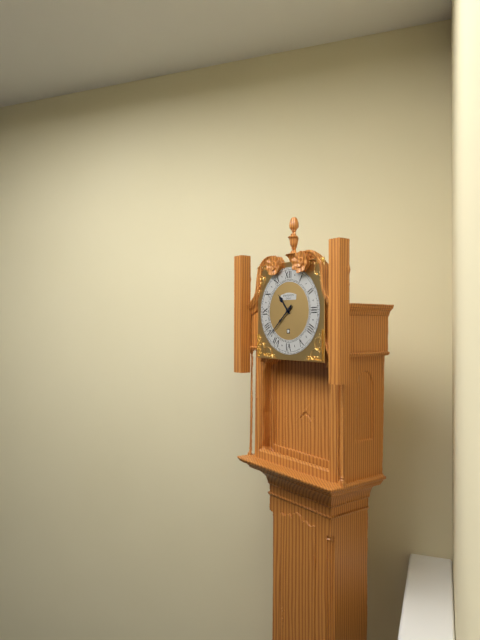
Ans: h=10 m=38
